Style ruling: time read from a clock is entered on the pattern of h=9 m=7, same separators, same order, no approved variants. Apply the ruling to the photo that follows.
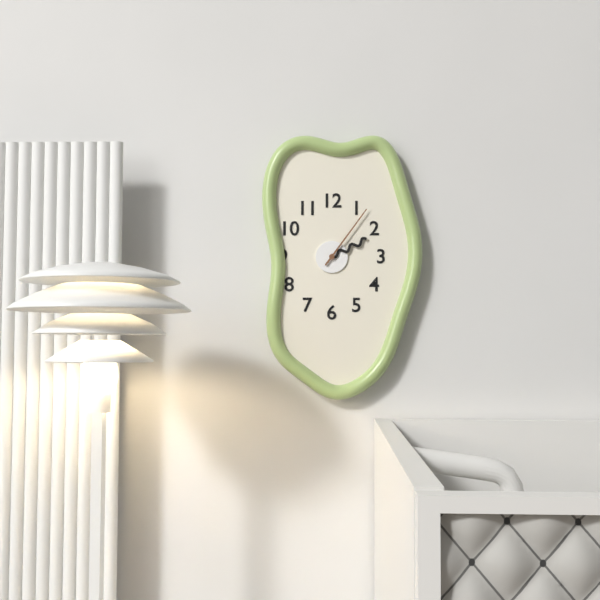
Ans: h=2 m=6
